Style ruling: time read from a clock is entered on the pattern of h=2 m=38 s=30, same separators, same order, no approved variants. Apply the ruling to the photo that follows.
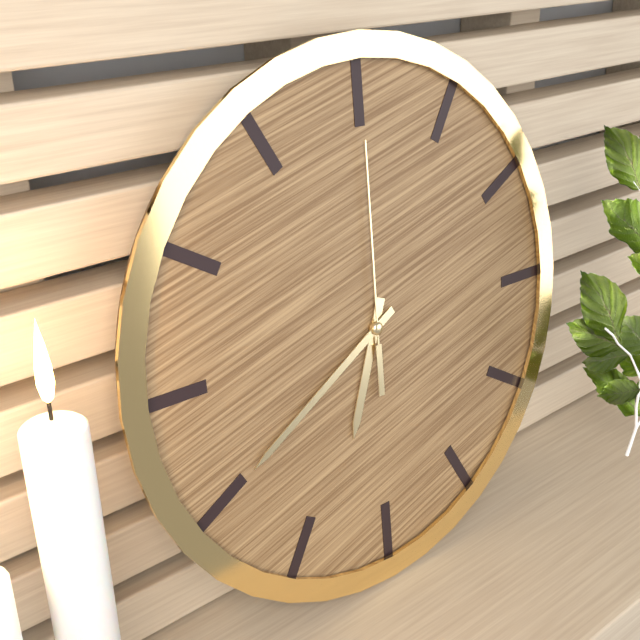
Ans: h=6 m=40 s=0
